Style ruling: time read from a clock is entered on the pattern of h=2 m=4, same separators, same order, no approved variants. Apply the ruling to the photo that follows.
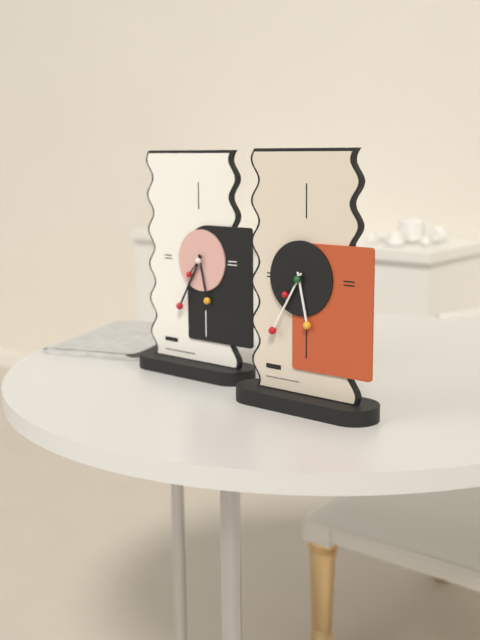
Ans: h=5 m=35
